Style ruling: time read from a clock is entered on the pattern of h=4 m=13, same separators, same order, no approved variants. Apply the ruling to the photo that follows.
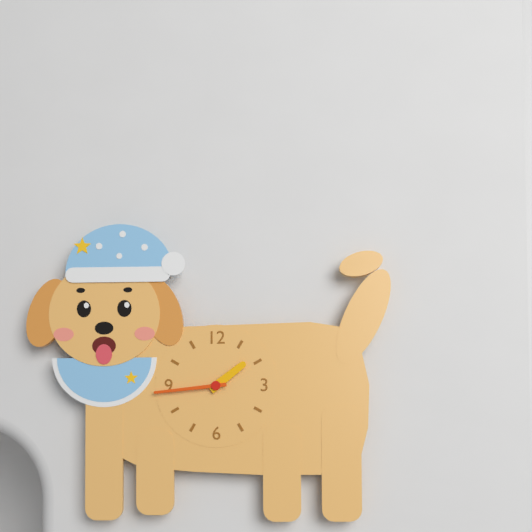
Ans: h=1 m=44
